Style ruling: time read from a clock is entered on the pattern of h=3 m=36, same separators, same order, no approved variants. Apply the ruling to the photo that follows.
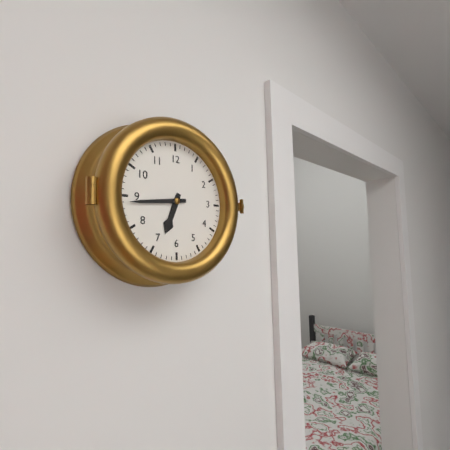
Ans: h=6 m=44
